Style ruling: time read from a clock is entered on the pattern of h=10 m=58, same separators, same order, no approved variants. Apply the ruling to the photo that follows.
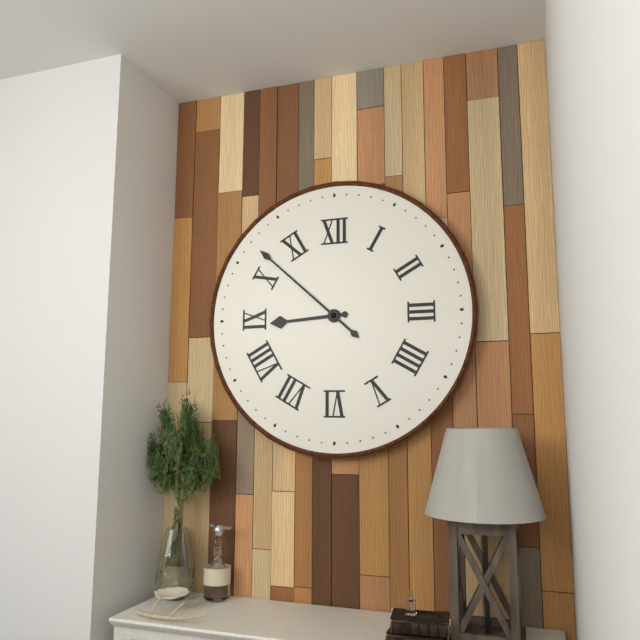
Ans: h=8 m=52
